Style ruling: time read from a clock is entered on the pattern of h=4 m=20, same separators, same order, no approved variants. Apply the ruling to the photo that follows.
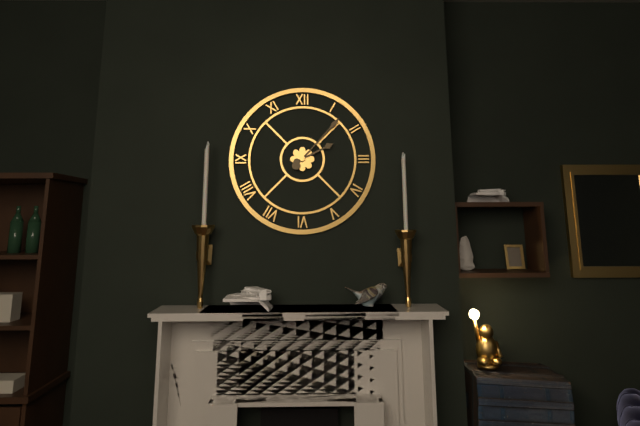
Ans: h=2 m=7
